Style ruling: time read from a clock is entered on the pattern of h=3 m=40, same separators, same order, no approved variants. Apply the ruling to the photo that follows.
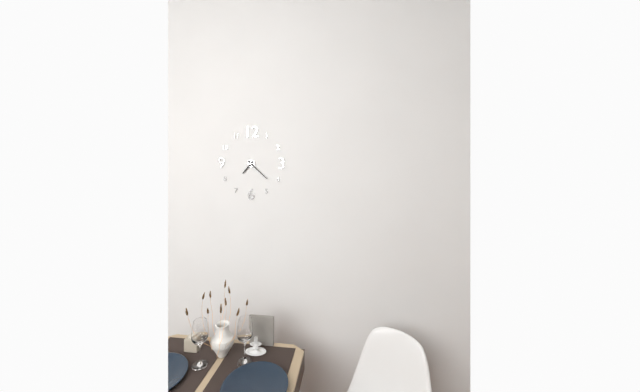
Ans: h=7 m=22
